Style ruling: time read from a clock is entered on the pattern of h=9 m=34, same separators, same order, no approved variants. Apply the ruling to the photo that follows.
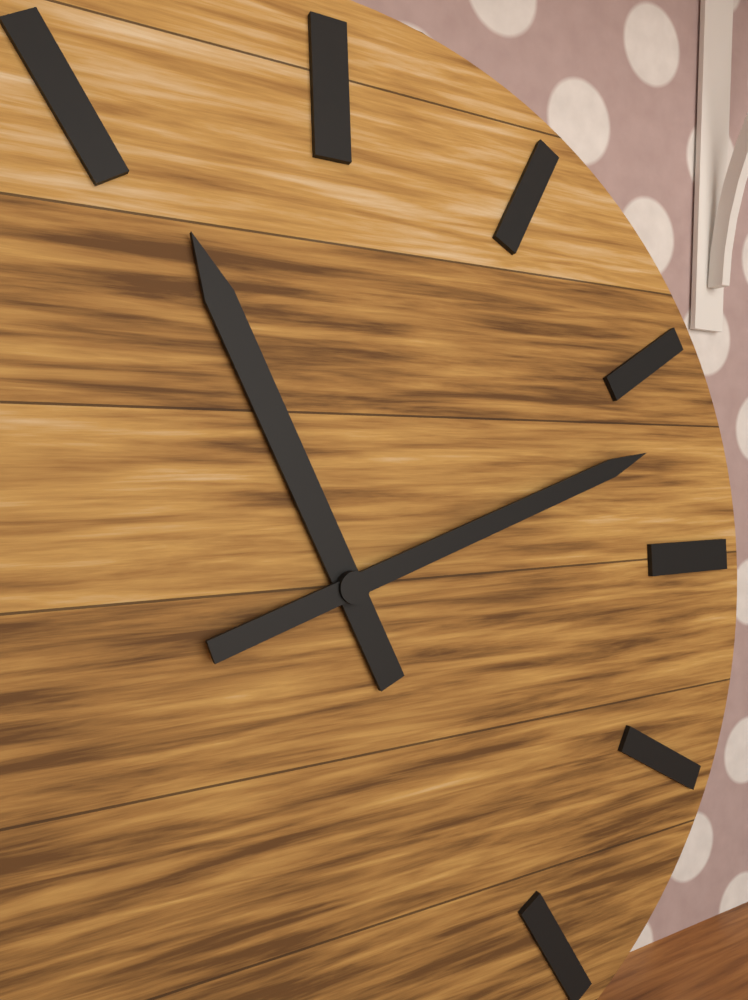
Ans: h=11 m=12
